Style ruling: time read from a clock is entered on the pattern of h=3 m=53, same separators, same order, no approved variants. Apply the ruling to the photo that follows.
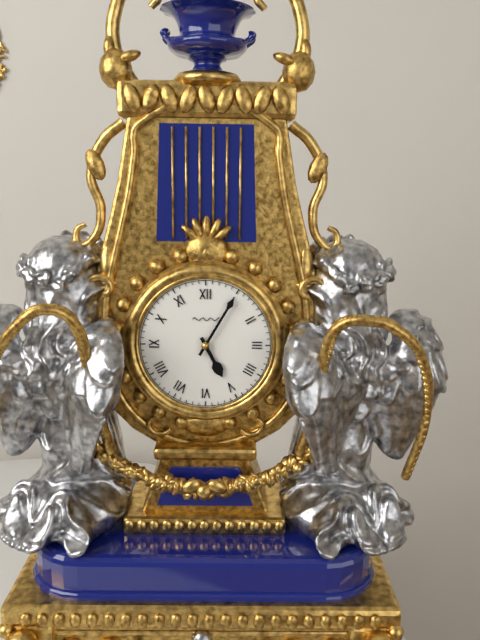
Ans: h=5 m=5
